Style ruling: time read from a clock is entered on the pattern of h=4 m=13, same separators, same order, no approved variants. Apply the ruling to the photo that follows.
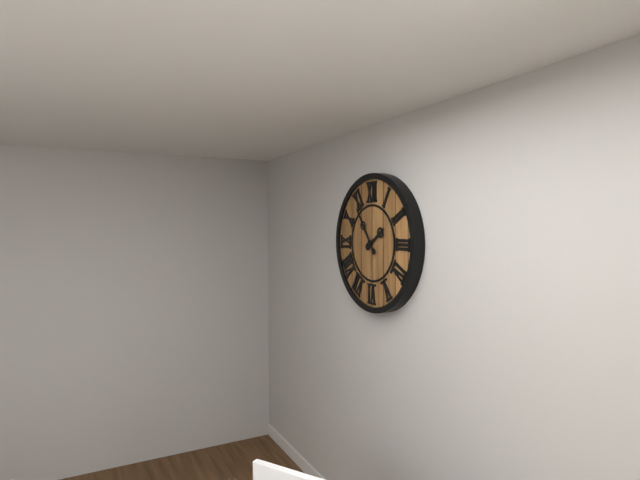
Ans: h=1 m=54
